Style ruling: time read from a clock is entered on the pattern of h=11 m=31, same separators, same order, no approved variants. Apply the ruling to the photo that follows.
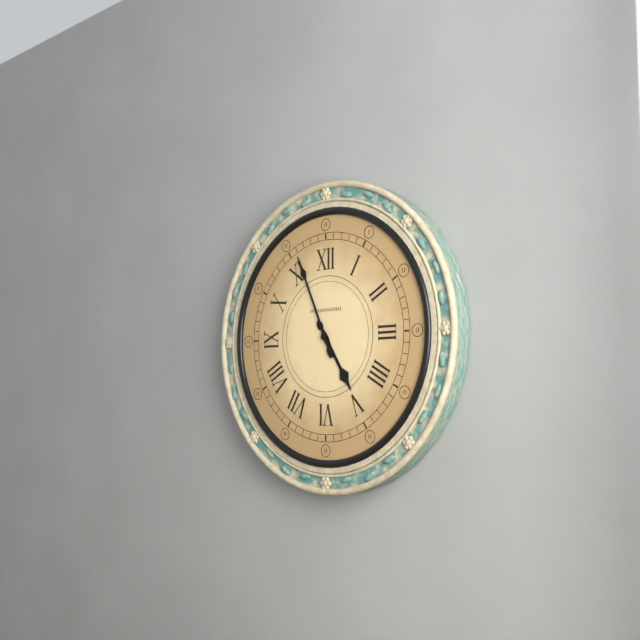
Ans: h=4 m=56
